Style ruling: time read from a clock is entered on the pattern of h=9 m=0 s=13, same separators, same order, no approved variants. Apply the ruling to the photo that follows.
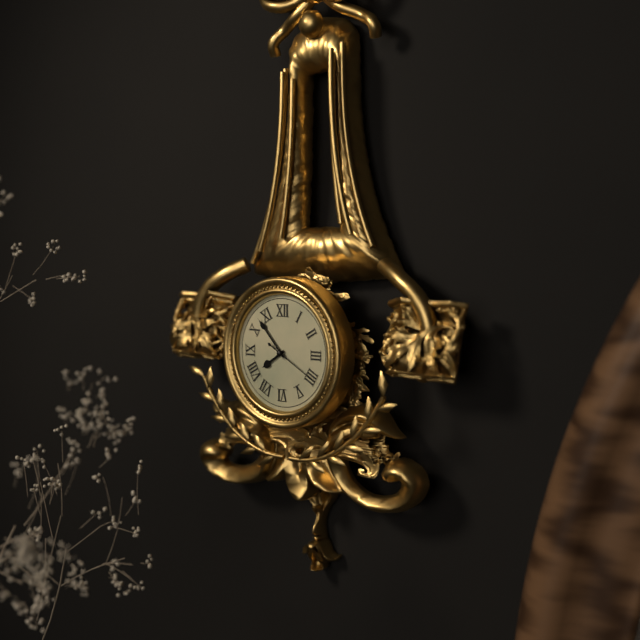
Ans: h=7 m=53 s=20
